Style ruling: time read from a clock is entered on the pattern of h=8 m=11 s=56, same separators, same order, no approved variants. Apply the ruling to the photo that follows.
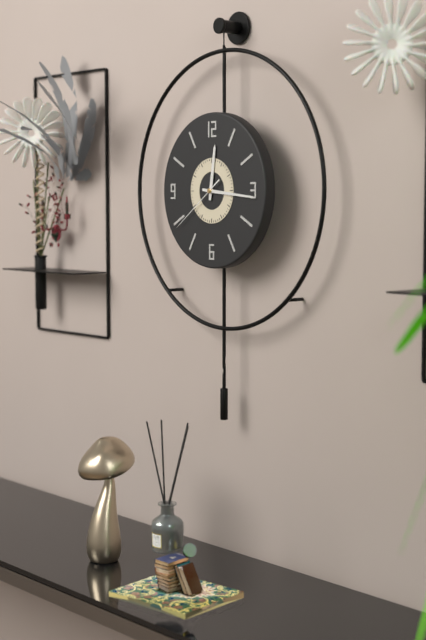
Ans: h=12 m=16 s=39
